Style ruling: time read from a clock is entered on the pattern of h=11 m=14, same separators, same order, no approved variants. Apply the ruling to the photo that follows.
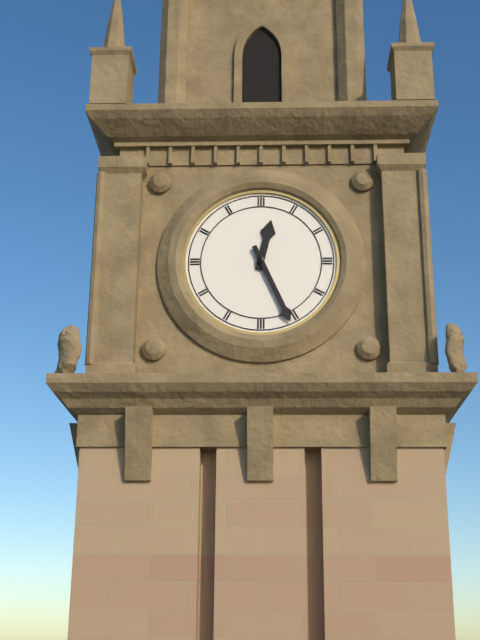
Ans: h=12 m=26
